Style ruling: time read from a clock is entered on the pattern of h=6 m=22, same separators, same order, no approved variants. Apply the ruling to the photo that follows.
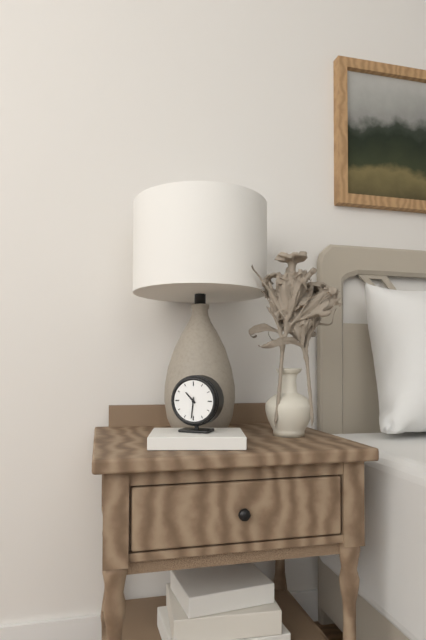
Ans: h=10 m=31
